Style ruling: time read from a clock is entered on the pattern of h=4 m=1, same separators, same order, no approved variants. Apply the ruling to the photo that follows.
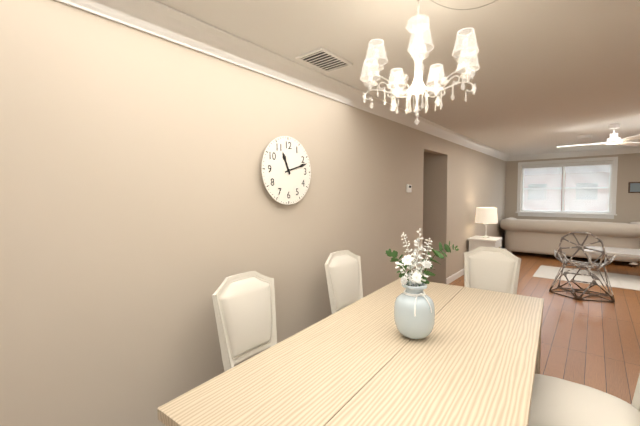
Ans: h=11 m=12
